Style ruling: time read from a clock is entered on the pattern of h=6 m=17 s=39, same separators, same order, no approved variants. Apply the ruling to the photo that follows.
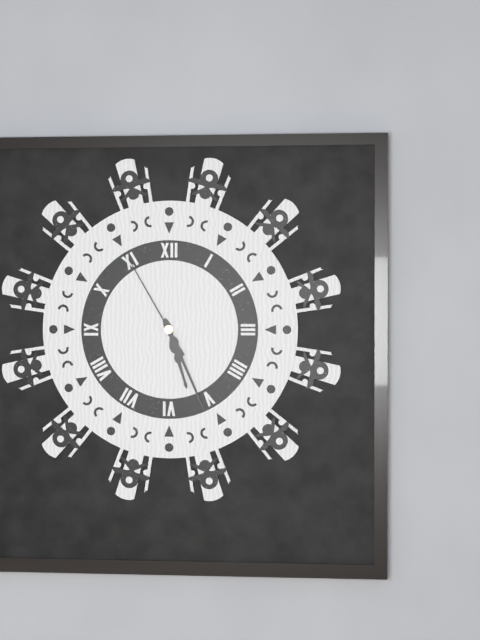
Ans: h=5 m=26 s=55
